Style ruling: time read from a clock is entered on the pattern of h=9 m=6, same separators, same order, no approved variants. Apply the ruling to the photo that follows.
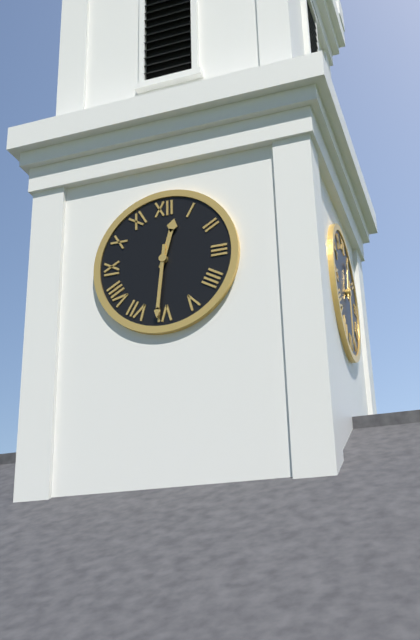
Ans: h=12 m=31
